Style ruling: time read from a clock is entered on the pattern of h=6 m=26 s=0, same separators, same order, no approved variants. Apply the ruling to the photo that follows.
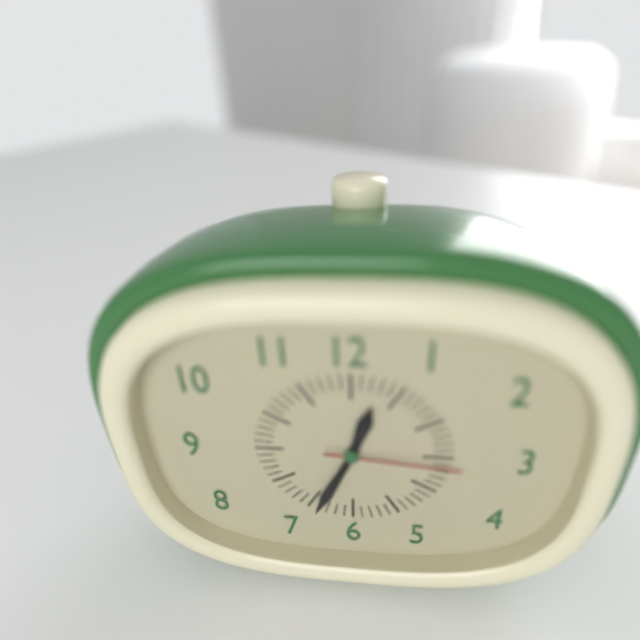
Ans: h=12 m=34 s=16
